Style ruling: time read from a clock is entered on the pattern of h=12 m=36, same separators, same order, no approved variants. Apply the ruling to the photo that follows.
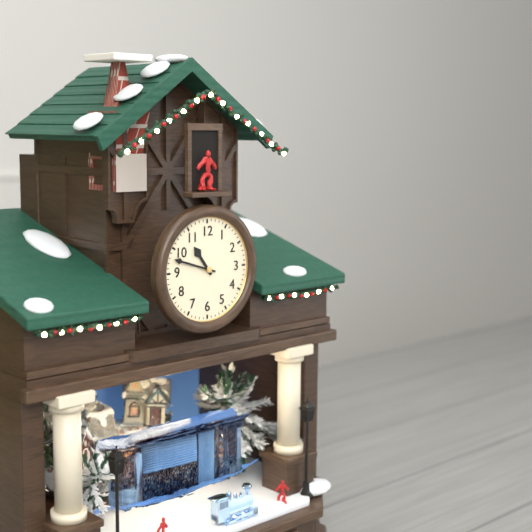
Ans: h=10 m=48
